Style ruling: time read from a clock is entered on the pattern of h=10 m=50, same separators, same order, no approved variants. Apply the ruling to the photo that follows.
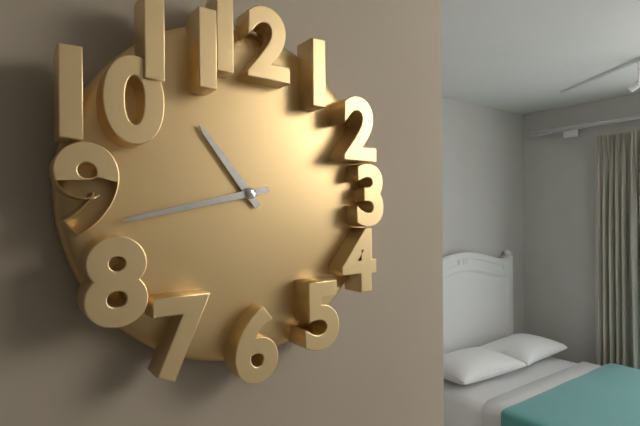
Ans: h=10 m=43
